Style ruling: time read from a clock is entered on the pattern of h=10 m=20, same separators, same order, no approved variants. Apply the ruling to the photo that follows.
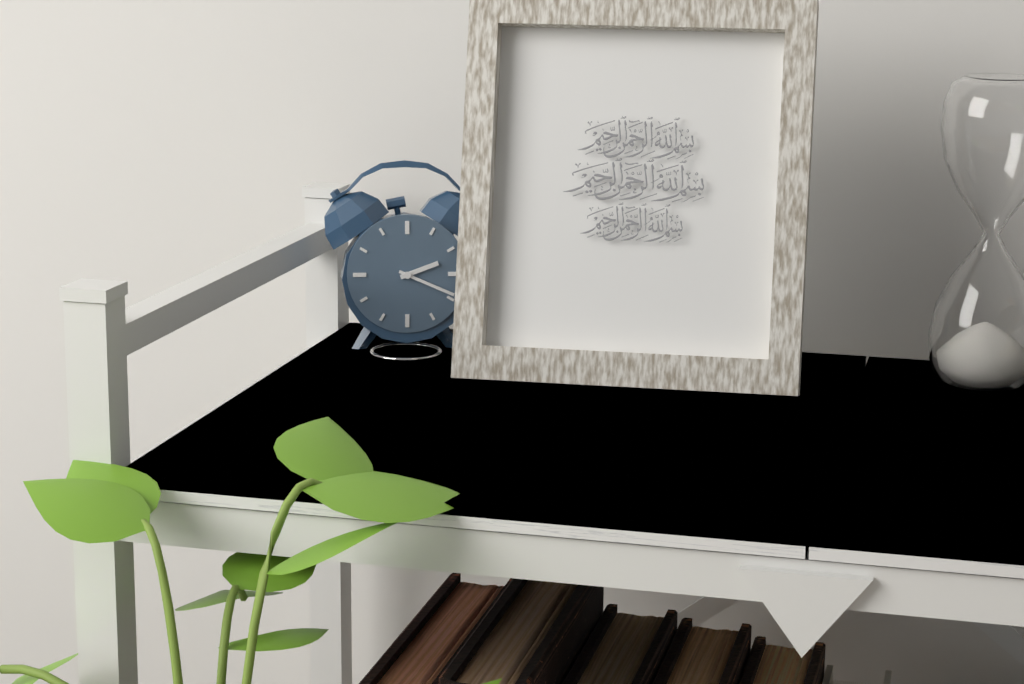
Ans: h=2 m=19
